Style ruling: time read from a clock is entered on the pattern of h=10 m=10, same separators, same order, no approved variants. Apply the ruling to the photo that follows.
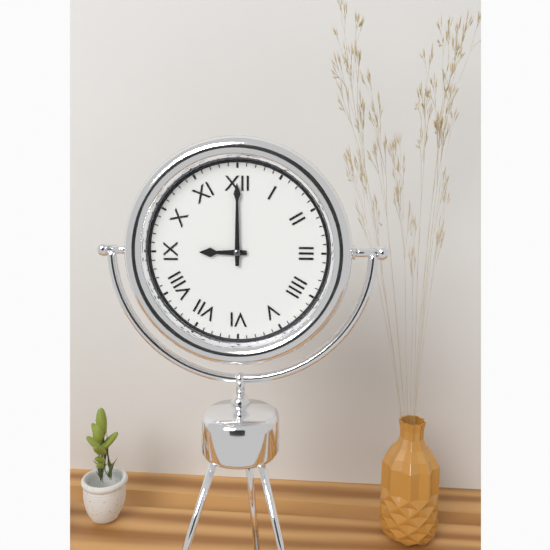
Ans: h=9 m=0
